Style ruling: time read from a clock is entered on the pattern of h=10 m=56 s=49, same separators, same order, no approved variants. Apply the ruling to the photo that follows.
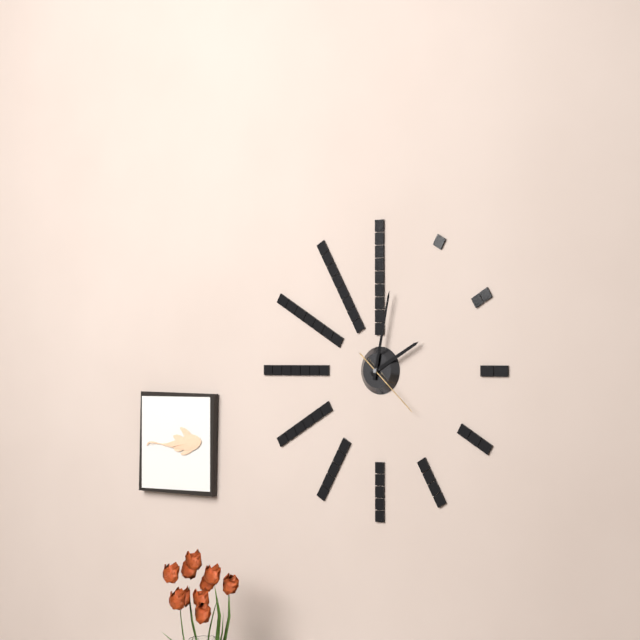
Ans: h=2 m=2 s=22
